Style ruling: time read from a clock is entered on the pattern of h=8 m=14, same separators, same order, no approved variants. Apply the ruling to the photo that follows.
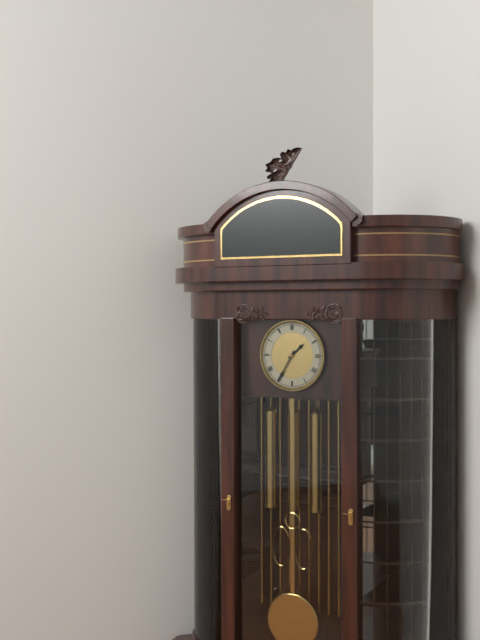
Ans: h=1 m=35
